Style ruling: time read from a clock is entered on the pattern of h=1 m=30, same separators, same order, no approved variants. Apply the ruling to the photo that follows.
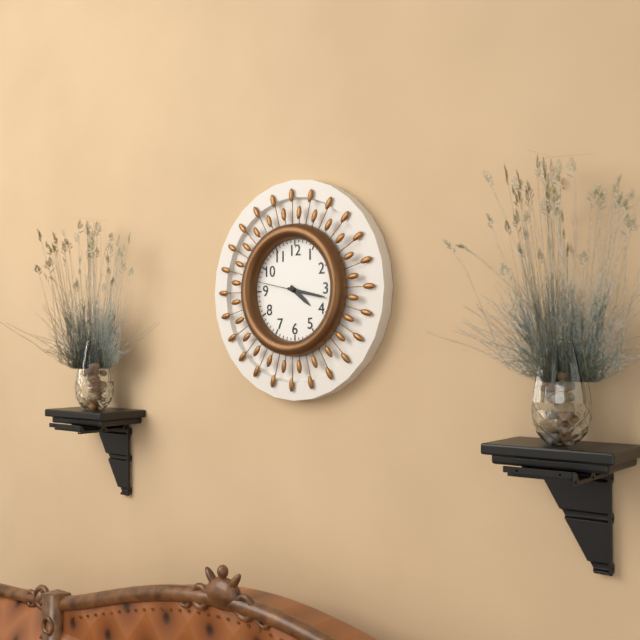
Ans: h=4 m=17
